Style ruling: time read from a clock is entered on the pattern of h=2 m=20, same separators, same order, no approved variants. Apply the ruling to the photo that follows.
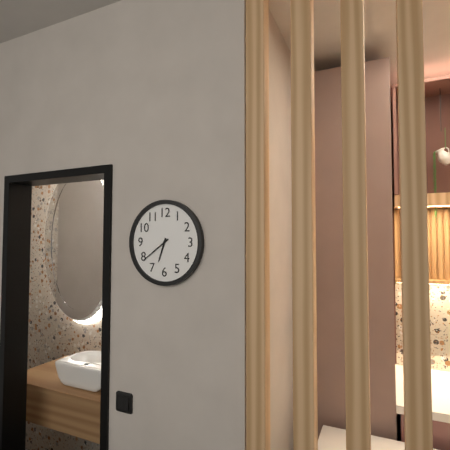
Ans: h=6 m=39
